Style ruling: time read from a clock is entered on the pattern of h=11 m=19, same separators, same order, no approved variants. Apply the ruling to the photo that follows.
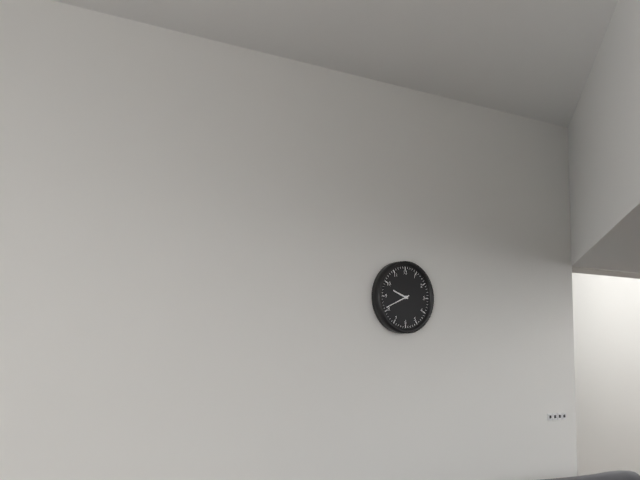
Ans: h=9 m=41
